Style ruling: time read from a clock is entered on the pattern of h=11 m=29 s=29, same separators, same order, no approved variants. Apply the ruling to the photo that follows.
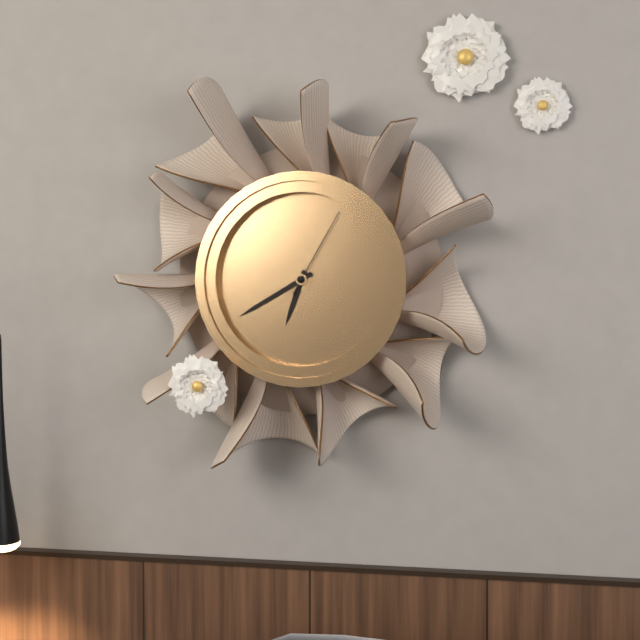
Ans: h=6 m=40 s=5
